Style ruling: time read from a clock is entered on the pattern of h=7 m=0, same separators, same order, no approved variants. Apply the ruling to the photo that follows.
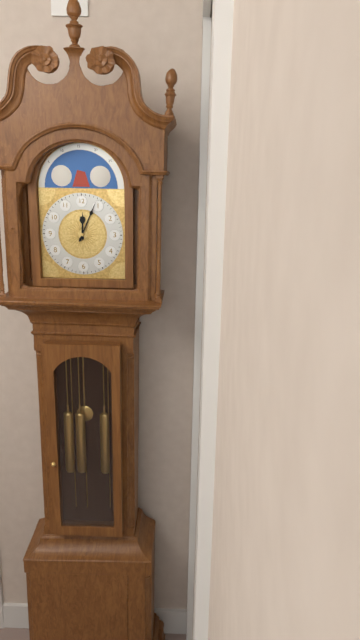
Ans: h=12 m=4
